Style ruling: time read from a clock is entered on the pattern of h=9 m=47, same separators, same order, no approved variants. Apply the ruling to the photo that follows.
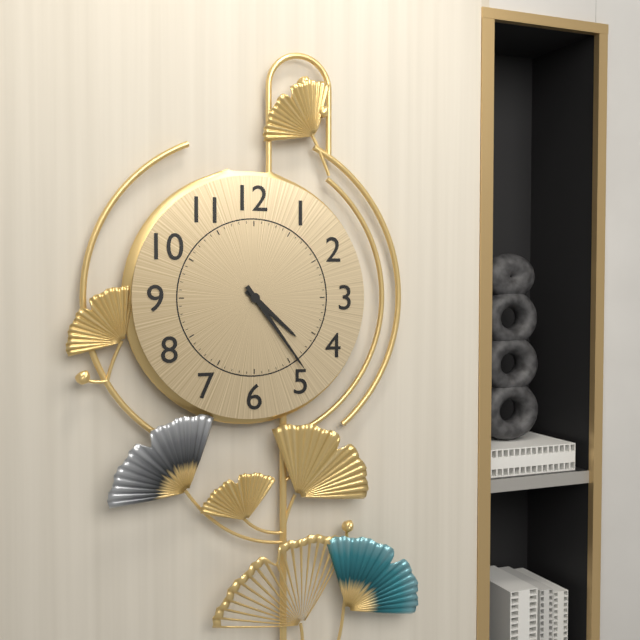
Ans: h=4 m=24
